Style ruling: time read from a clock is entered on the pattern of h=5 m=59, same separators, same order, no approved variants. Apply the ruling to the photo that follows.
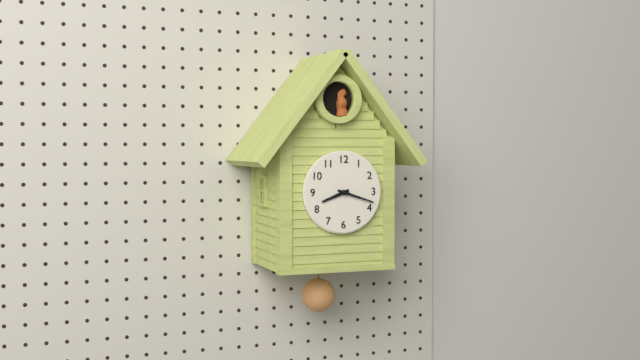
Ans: h=8 m=18
